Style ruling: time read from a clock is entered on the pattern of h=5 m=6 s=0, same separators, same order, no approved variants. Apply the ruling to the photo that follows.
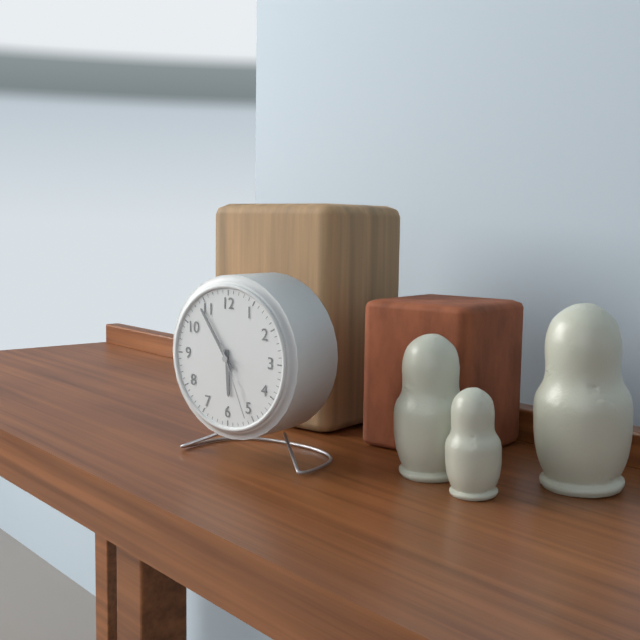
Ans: h=5 m=54 s=26
